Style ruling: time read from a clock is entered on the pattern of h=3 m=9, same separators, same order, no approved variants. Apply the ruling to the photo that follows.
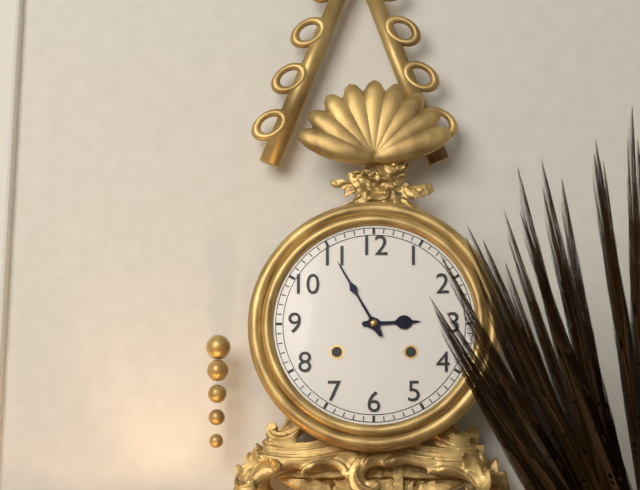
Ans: h=2 m=55
